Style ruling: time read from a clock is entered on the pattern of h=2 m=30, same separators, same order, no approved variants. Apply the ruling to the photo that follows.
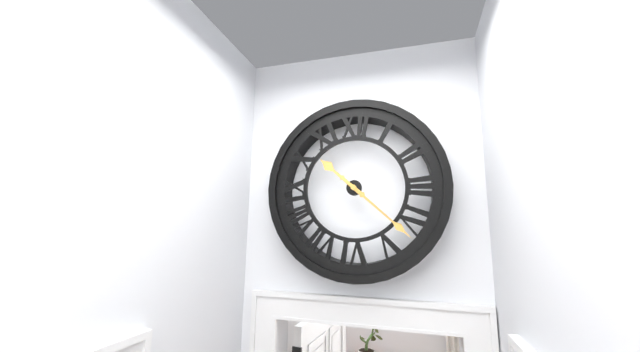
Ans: h=10 m=22
